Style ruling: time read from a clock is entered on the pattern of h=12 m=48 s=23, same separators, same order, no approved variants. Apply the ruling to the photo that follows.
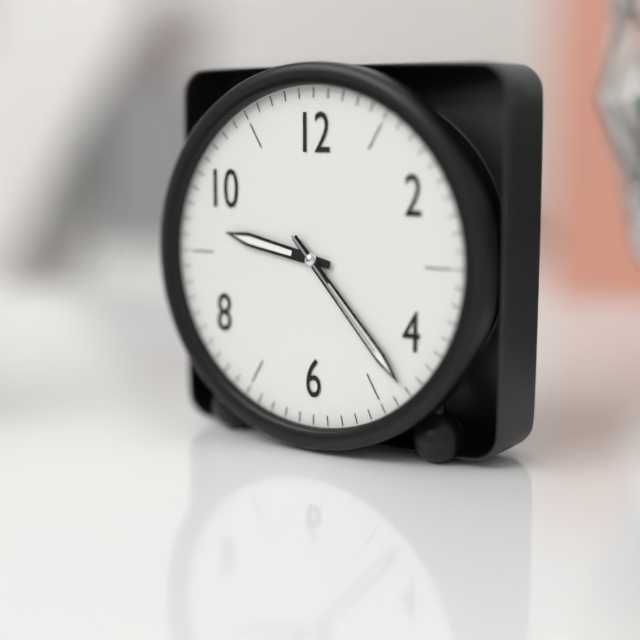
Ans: h=9 m=23 s=23
